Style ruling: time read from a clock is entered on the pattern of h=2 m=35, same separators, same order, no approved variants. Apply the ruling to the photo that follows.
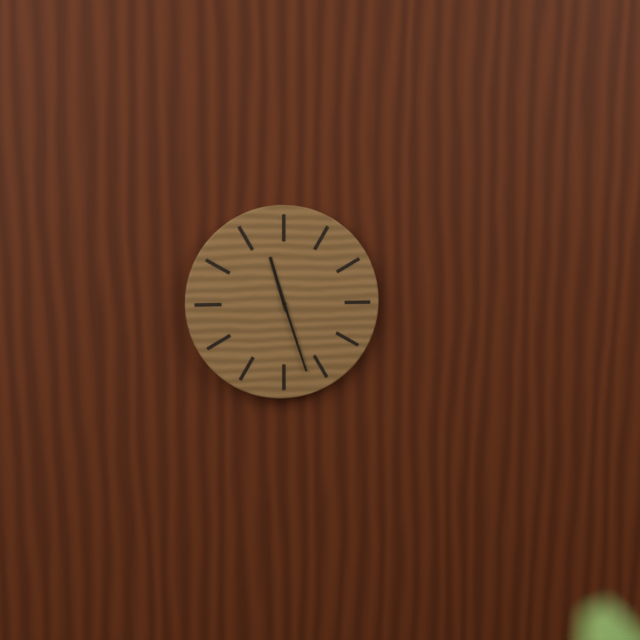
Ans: h=11 m=27
